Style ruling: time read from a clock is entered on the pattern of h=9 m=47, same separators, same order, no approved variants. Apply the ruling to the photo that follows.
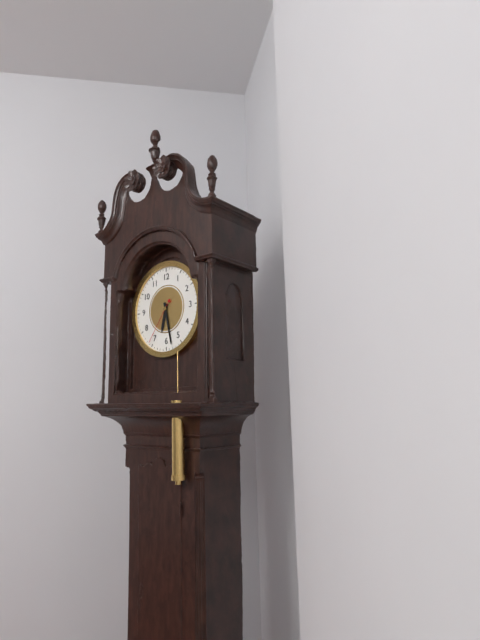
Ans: h=6 m=28
